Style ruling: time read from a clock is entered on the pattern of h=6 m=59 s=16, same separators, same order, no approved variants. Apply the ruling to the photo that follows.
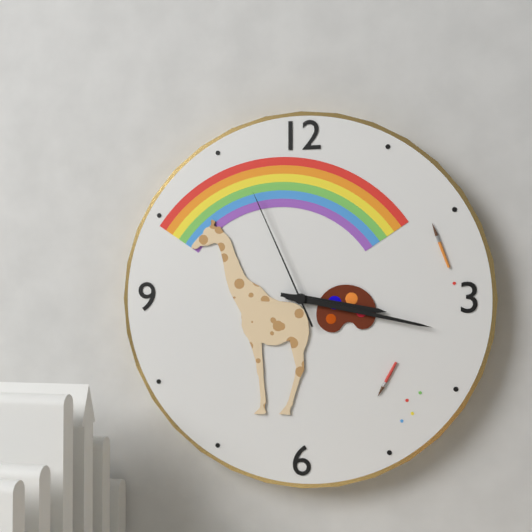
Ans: h=3 m=17 s=56
